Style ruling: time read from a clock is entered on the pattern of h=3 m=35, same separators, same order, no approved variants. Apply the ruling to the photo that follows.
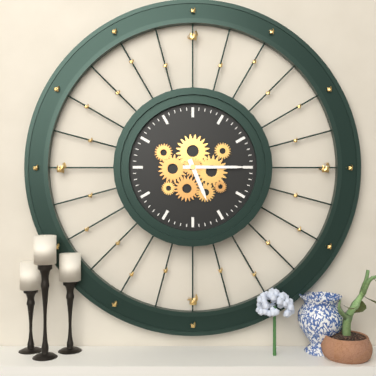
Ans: h=5 m=15
